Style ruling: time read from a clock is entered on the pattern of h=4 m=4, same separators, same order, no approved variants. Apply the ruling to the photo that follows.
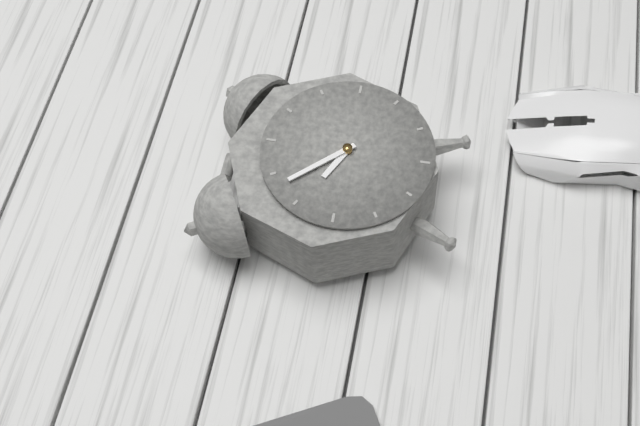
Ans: h=9 m=53
